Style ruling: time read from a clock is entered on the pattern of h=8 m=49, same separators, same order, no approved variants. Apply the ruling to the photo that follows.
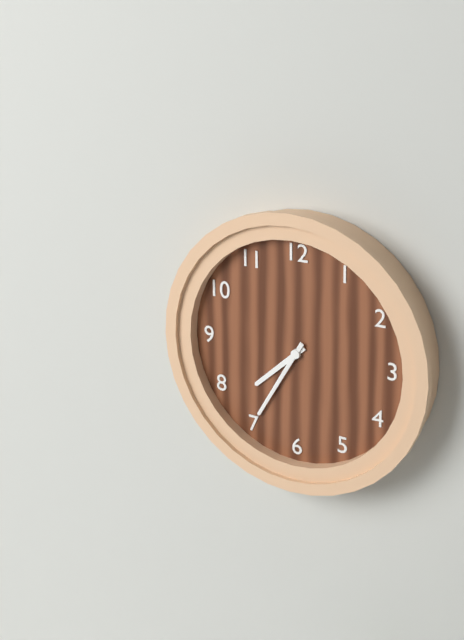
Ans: h=7 m=35
